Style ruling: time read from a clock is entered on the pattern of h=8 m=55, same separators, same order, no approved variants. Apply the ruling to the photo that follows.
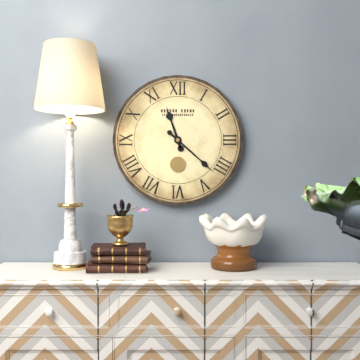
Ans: h=11 m=22
